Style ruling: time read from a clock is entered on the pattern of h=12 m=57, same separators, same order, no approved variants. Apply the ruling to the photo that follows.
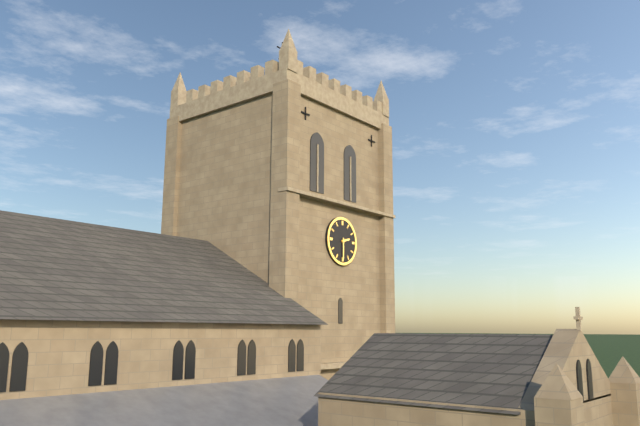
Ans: h=2 m=30
